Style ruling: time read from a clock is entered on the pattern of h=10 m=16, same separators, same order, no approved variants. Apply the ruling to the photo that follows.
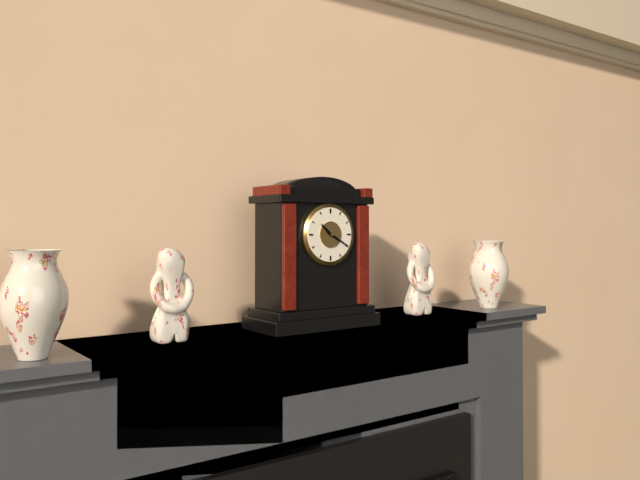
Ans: h=10 m=20
